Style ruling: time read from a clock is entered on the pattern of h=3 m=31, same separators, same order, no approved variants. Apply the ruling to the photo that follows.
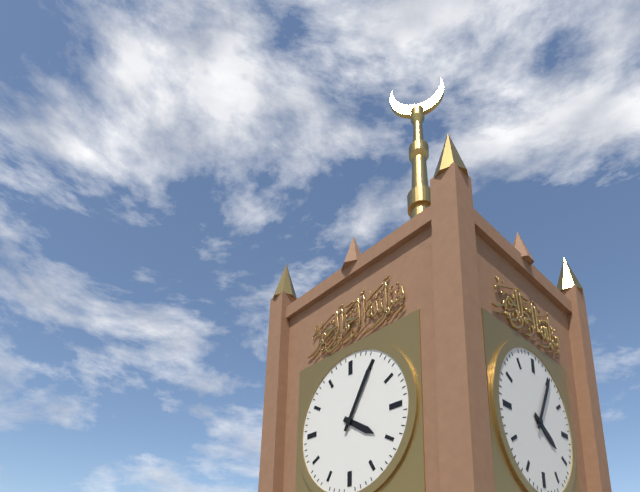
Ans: h=4 m=5
